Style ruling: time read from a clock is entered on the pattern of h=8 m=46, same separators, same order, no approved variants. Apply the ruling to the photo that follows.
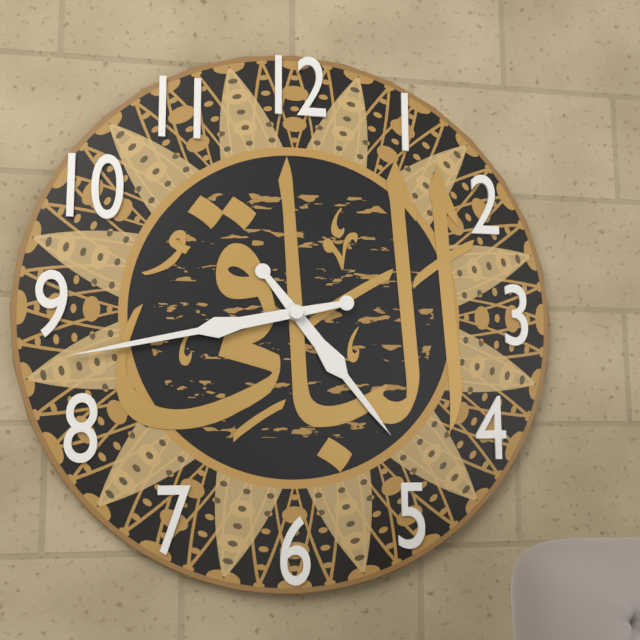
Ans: h=4 m=43
